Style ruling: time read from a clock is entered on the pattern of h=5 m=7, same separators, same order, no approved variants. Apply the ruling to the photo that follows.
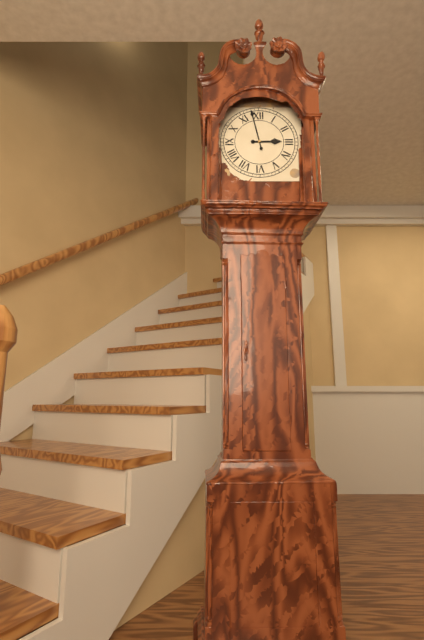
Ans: h=2 m=58
